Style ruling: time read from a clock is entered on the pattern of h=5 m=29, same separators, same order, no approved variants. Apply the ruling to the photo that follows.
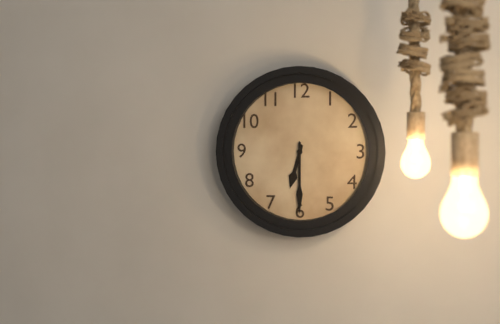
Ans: h=6 m=30
